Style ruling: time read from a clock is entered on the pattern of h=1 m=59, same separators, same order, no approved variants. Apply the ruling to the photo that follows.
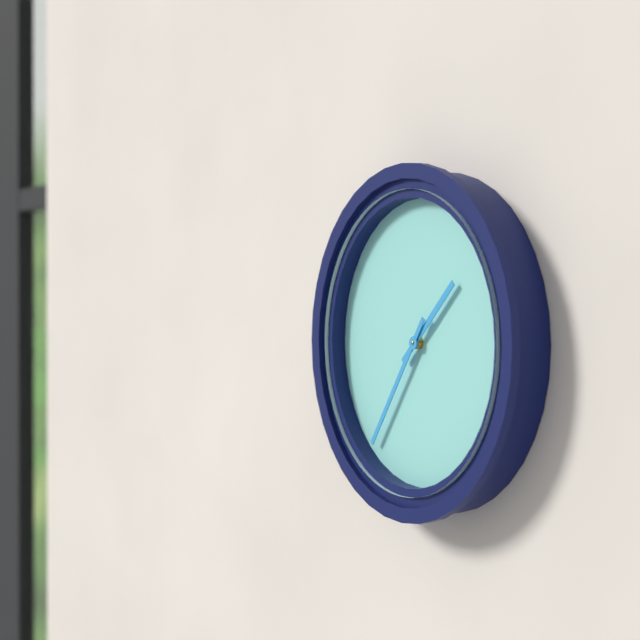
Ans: h=1 m=36
